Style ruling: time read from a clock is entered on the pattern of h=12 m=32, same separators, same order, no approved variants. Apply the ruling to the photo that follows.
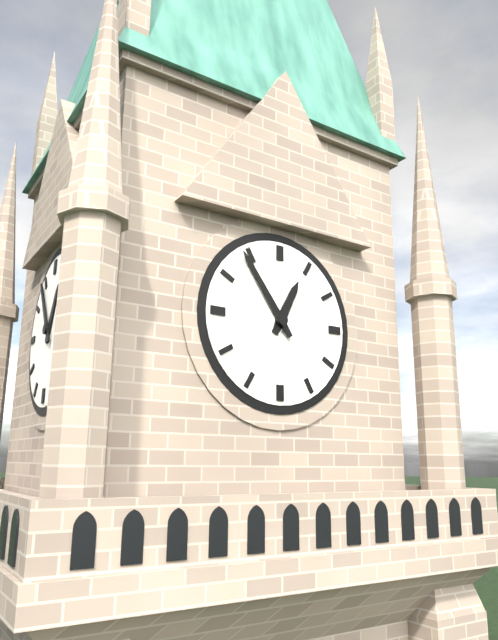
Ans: h=12 m=54
